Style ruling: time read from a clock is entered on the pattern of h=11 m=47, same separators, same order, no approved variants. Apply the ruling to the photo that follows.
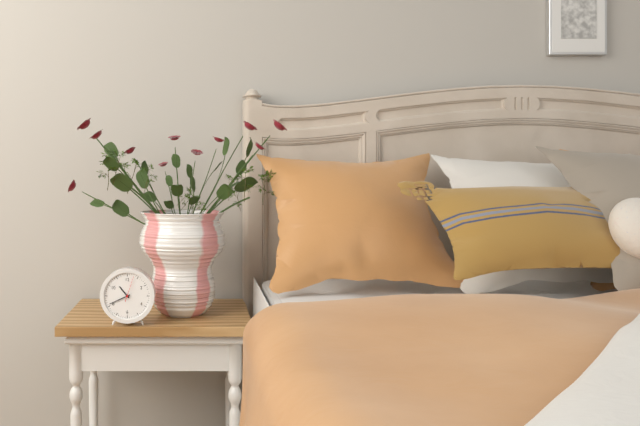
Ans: h=10 m=41
